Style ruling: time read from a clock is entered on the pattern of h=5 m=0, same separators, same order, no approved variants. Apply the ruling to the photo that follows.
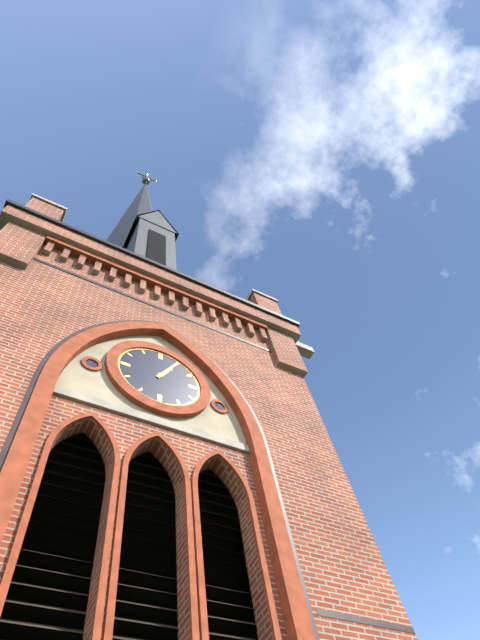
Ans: h=1 m=5
